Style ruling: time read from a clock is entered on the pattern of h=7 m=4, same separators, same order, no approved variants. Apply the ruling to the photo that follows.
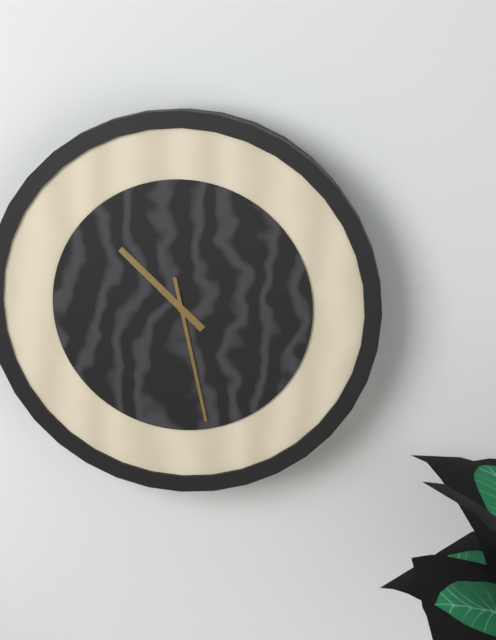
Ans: h=10 m=28
